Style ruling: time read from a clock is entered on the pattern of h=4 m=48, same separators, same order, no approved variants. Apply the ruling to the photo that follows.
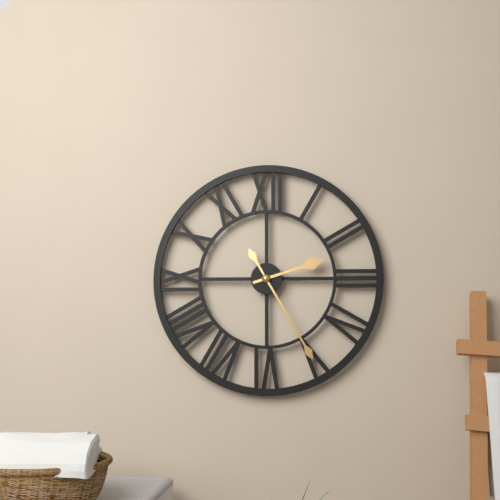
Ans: h=2 m=25
